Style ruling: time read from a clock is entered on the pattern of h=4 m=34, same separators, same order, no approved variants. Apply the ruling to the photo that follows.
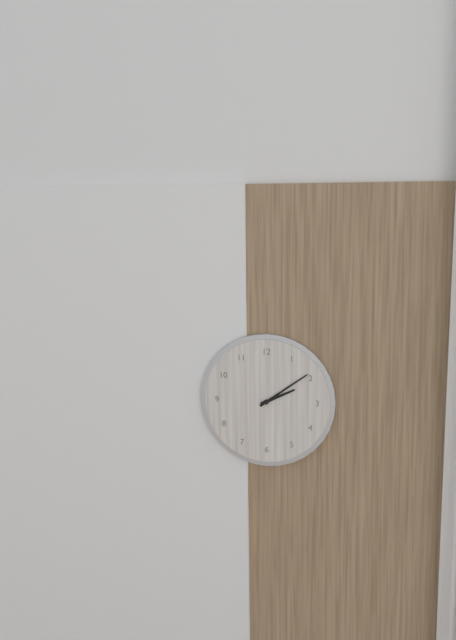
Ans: h=2 m=9
